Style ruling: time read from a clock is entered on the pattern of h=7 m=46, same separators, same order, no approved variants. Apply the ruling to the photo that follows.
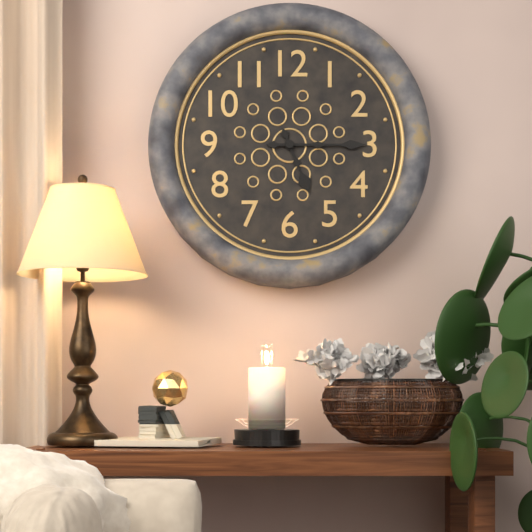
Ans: h=5 m=15
